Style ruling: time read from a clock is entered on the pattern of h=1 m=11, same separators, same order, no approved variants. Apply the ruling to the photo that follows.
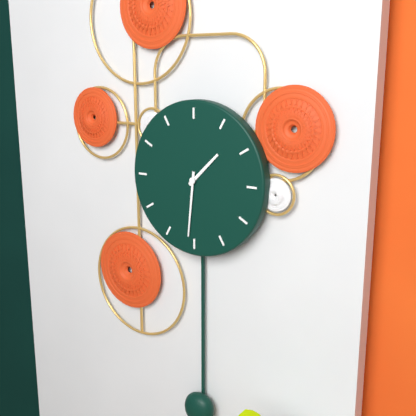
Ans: h=1 m=31
